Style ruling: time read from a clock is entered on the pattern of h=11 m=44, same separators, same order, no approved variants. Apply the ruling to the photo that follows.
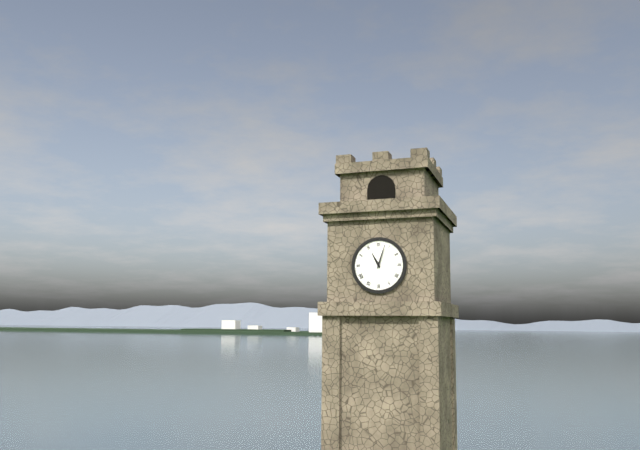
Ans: h=11 m=3
